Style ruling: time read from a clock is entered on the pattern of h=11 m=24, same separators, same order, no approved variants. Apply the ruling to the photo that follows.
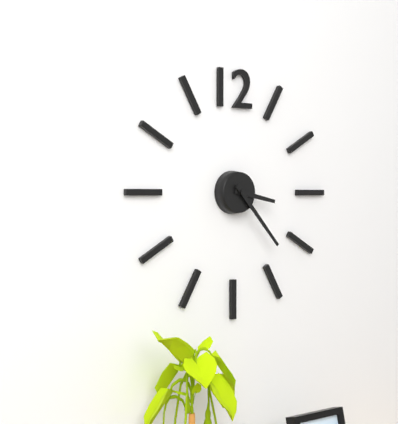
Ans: h=3 m=23
